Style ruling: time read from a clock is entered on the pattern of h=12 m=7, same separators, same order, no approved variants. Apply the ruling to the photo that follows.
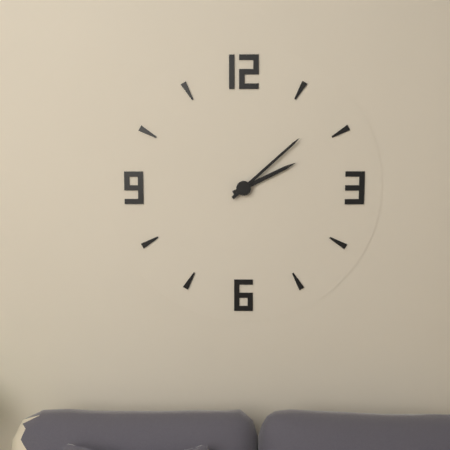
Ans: h=2 m=8
